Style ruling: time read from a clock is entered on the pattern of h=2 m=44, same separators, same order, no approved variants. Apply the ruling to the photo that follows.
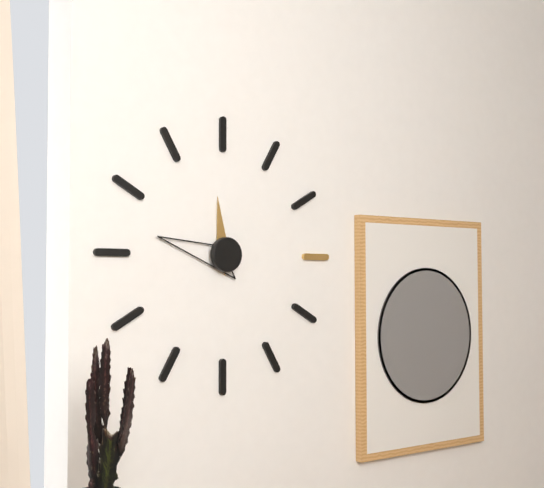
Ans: h=11 m=47
